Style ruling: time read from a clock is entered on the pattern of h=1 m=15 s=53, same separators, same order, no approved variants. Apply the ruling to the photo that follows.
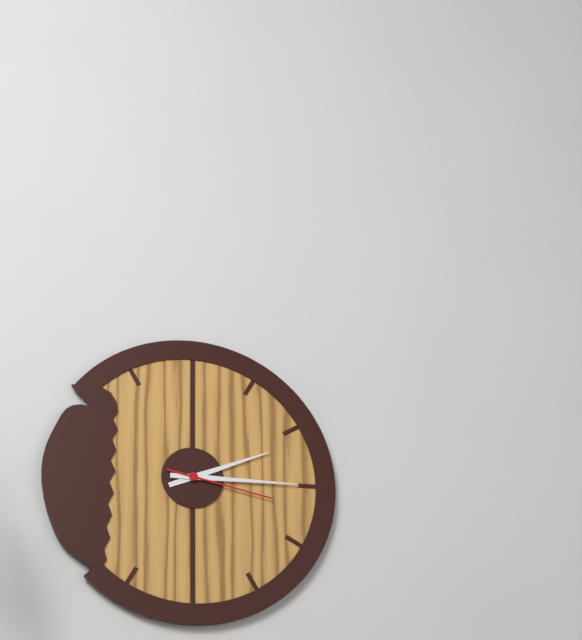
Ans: h=2 m=15 s=17
